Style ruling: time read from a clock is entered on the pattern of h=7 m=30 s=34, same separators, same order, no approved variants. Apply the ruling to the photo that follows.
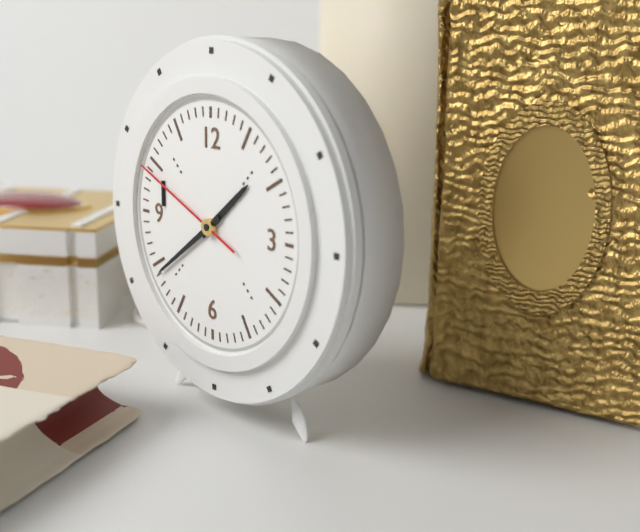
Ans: h=1 m=39 s=49
